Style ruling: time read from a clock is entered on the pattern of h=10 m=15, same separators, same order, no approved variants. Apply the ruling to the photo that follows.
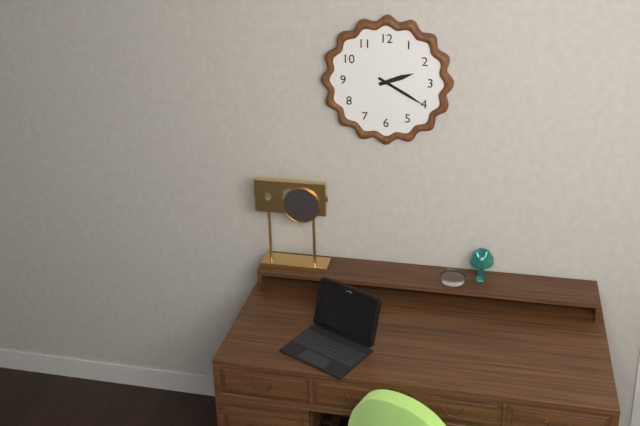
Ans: h=2 m=20
